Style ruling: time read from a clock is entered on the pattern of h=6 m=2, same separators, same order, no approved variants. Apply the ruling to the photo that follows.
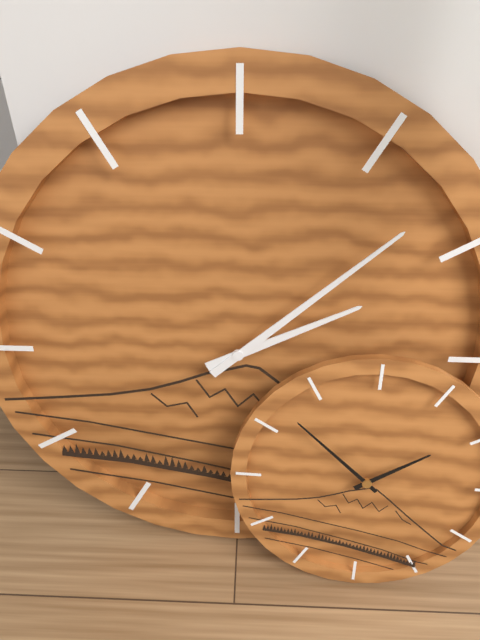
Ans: h=2 m=8
